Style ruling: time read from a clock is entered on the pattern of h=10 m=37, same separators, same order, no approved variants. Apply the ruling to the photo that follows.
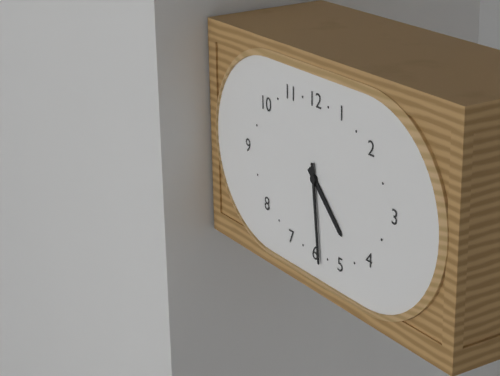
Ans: h=4 m=29
